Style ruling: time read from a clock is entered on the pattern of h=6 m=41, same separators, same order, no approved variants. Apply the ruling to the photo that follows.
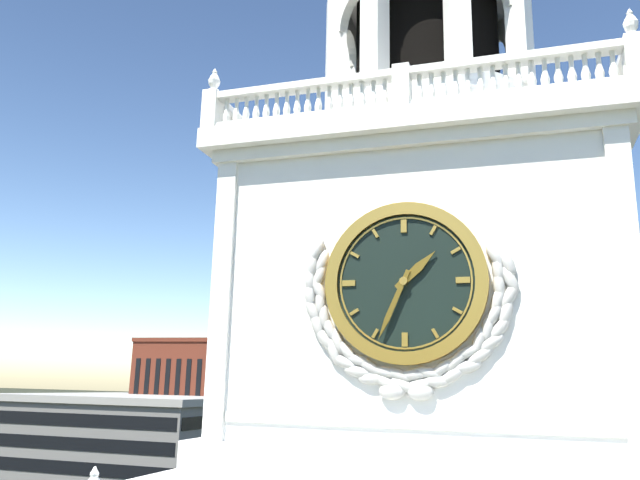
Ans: h=1 m=34
